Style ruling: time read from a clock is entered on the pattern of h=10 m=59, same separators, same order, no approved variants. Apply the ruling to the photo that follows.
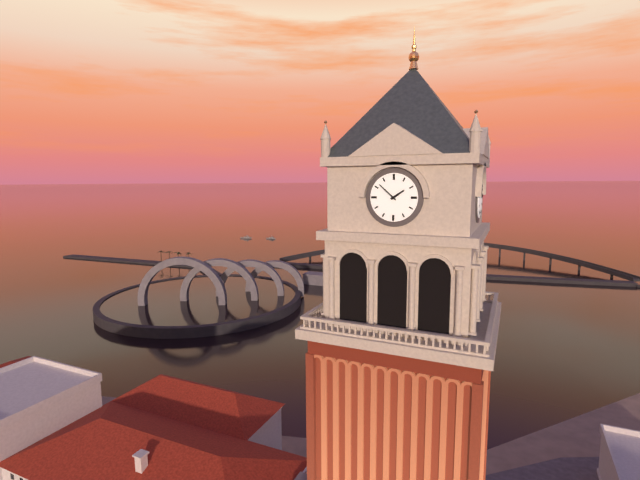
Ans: h=1 m=52
